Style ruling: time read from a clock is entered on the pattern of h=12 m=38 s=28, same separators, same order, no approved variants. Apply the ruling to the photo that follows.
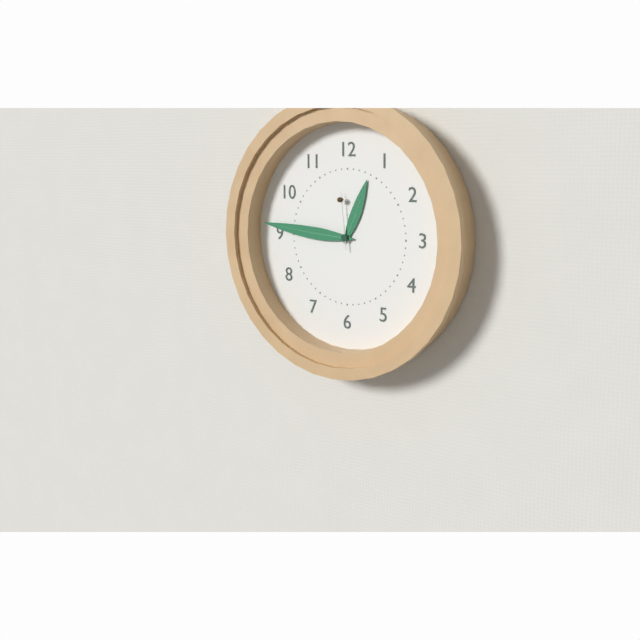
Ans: h=12 m=46 s=59
